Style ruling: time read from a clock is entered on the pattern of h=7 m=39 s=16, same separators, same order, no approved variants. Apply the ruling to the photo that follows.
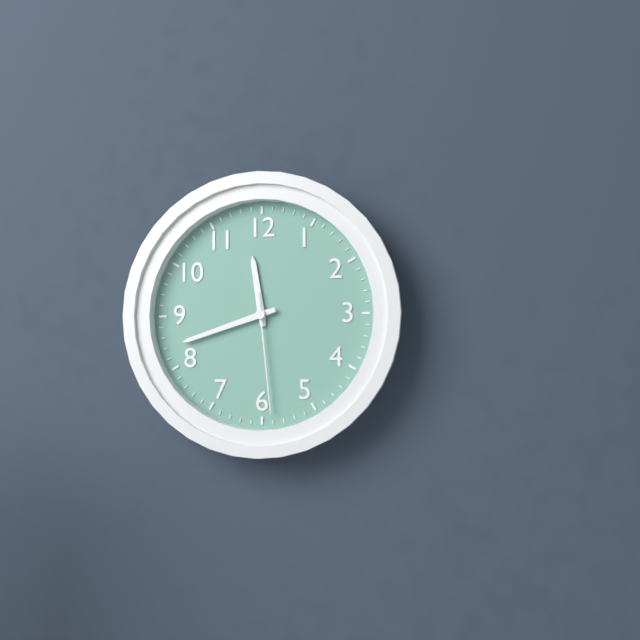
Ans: h=11 m=42 s=29
